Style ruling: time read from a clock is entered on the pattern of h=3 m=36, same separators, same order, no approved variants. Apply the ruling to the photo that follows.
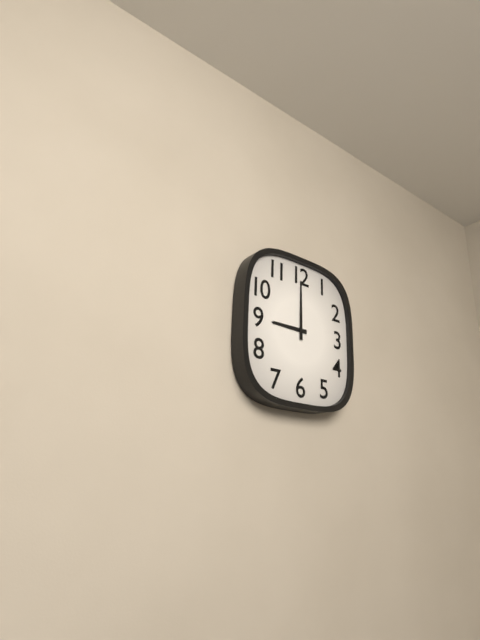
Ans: h=9 m=0
